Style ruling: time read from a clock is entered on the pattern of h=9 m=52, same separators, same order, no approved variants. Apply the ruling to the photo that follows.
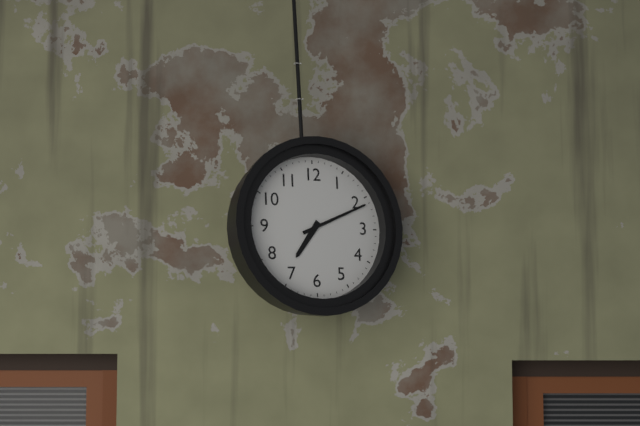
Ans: h=7 m=11
